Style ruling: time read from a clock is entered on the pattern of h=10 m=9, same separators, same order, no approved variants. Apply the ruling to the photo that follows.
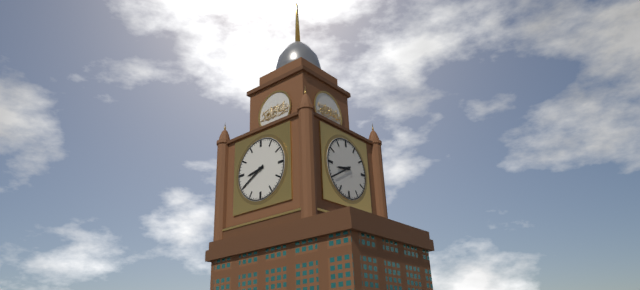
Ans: h=8 m=40
